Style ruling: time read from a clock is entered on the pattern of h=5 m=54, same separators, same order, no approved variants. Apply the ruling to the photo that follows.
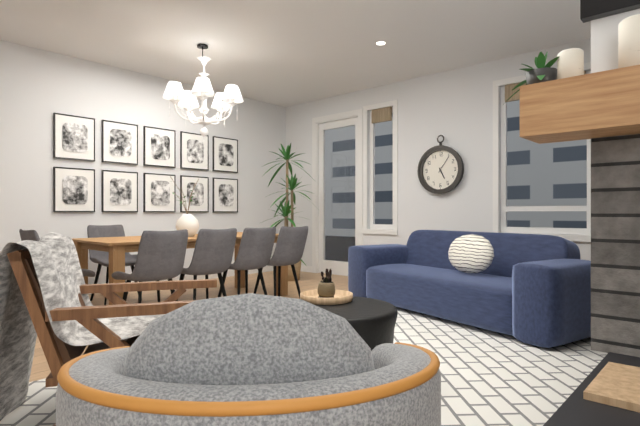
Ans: h=5 m=6
